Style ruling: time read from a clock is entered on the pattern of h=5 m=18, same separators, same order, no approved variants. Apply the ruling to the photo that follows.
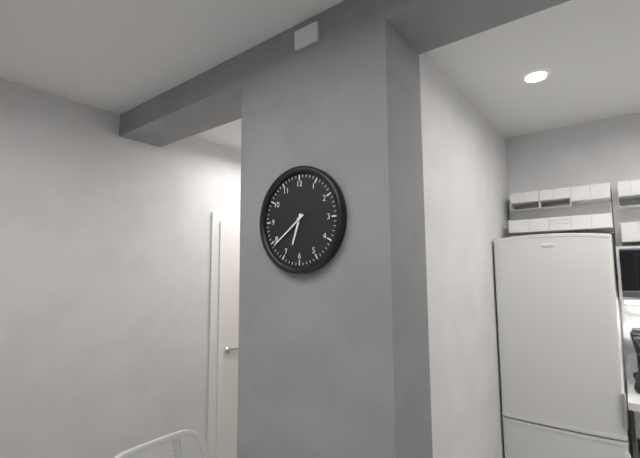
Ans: h=6 m=39
